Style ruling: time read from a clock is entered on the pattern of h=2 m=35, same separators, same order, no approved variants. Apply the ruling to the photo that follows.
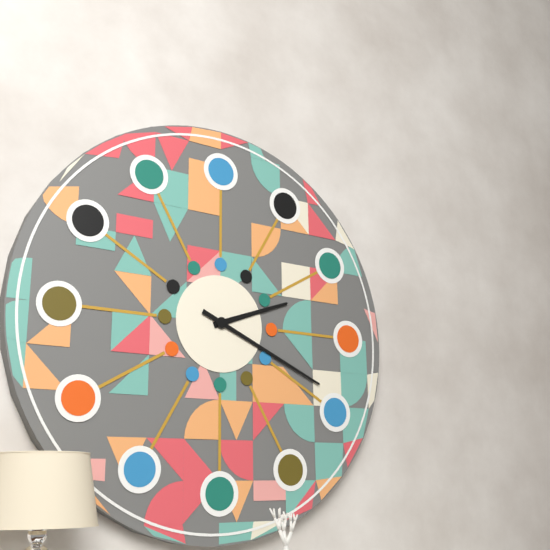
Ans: h=2 m=19
